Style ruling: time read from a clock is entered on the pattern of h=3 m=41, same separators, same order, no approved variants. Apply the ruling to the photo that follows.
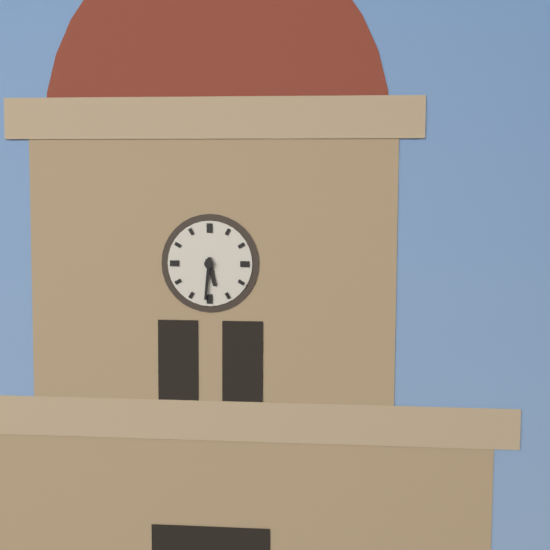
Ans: h=5 m=31
